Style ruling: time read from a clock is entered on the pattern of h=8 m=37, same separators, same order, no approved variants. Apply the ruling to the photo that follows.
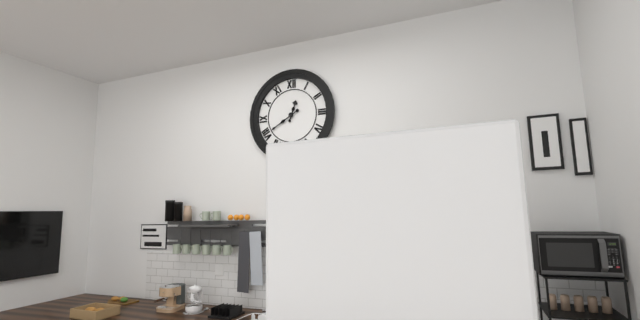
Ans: h=12 m=40
